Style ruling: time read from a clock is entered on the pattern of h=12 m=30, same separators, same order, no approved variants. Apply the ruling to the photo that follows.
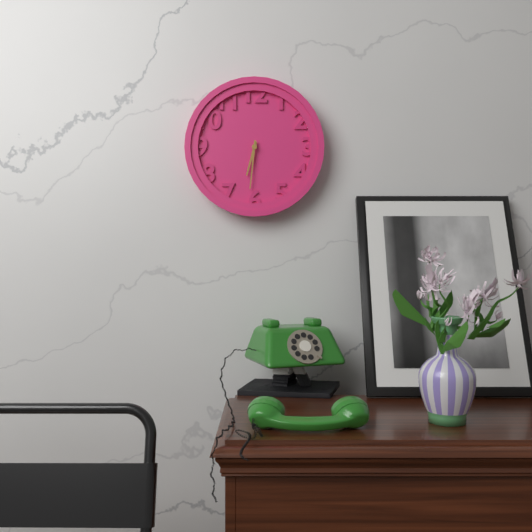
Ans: h=6 m=31
